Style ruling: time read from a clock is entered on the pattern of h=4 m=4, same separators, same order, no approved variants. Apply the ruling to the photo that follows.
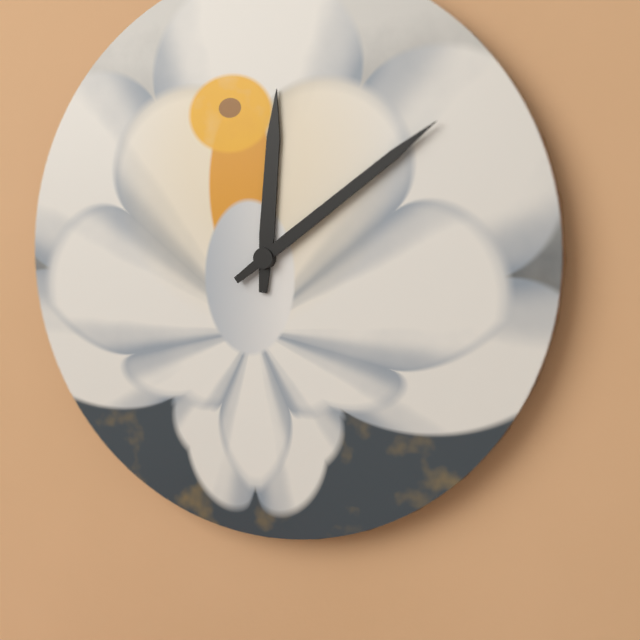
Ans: h=12 m=9
